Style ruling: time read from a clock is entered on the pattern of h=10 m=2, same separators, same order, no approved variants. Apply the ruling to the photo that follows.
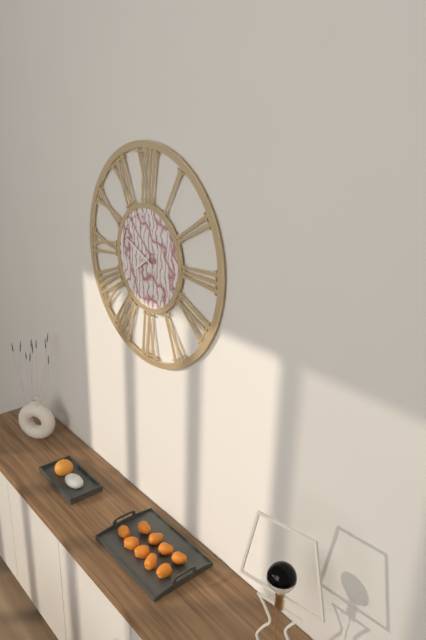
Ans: h=7 m=49
